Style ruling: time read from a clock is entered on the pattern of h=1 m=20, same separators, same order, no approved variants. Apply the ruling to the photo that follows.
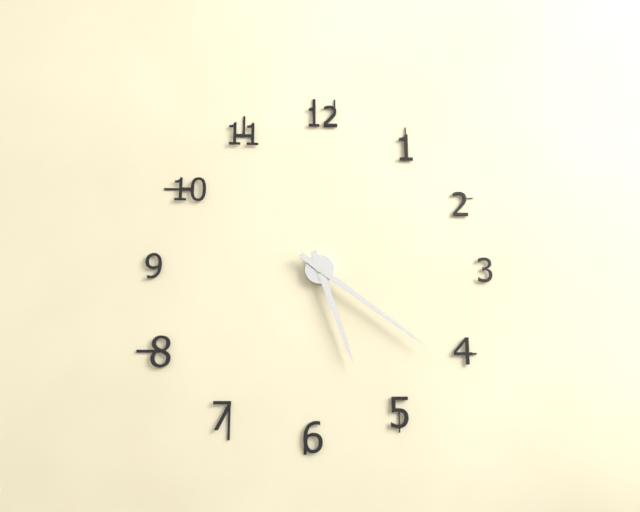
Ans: h=5 m=21
